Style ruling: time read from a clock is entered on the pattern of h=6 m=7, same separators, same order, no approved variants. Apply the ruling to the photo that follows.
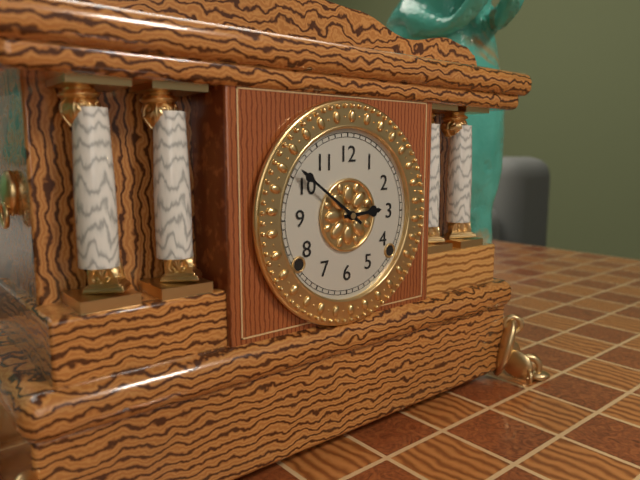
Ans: h=2 m=51
